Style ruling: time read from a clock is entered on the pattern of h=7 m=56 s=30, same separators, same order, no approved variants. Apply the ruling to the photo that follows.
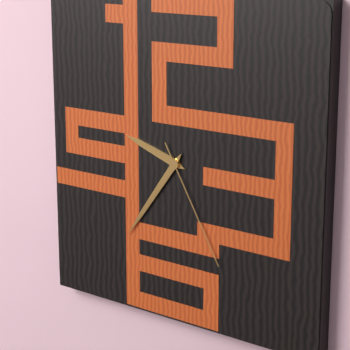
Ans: h=9 m=36 s=25
